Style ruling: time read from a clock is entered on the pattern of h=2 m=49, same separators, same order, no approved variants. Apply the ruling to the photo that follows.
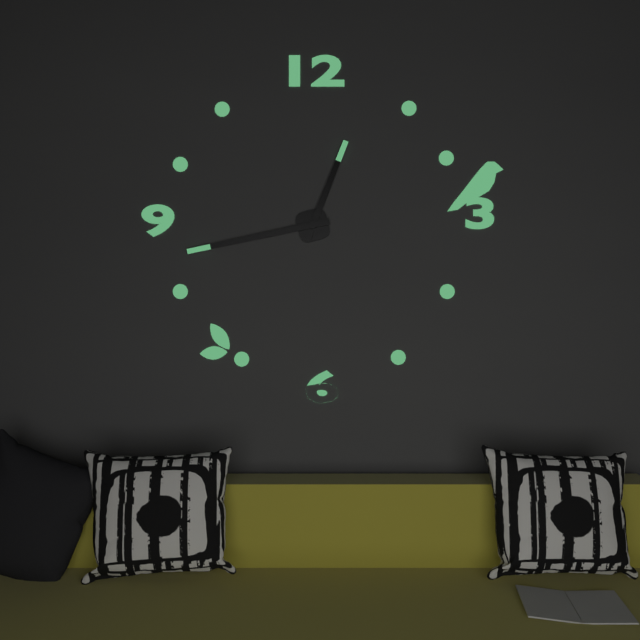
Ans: h=12 m=43
